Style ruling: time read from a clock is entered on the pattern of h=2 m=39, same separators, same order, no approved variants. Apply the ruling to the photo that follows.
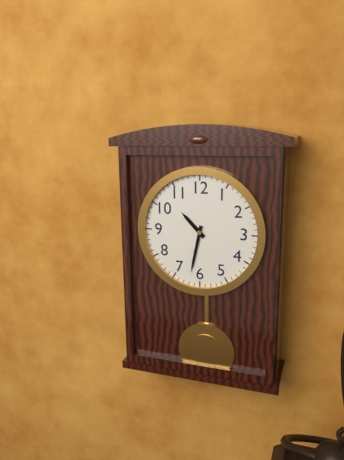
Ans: h=10 m=32
